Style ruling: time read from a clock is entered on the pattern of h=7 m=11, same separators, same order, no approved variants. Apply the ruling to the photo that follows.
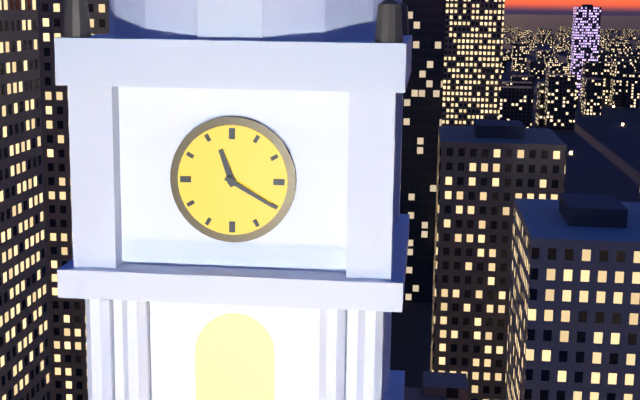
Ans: h=11 m=20
